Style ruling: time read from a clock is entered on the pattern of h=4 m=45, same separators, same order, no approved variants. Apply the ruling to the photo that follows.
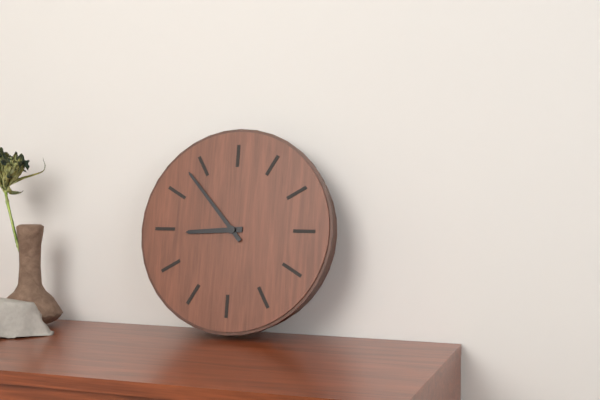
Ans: h=8 m=53
